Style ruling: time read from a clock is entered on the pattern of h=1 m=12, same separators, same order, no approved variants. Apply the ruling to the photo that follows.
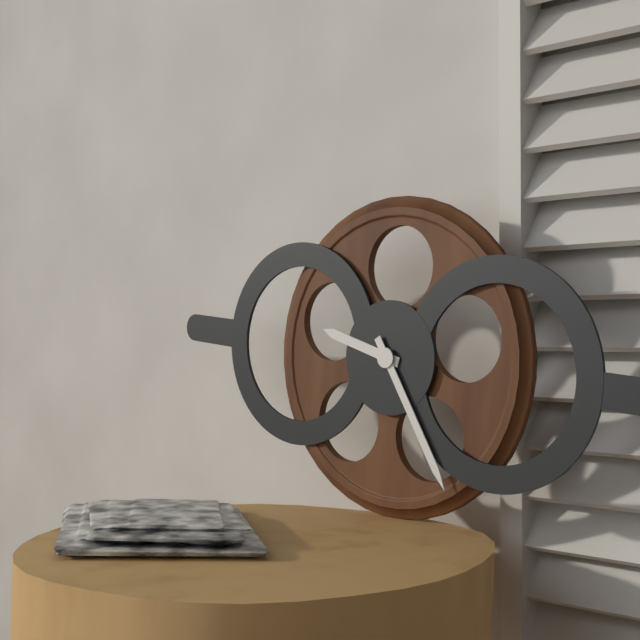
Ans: h=9 m=24
